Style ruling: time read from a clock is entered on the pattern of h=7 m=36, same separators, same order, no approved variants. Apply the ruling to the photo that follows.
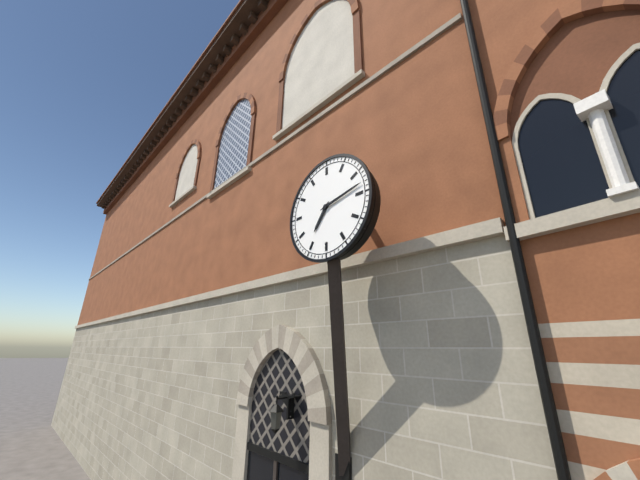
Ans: h=7 m=13
